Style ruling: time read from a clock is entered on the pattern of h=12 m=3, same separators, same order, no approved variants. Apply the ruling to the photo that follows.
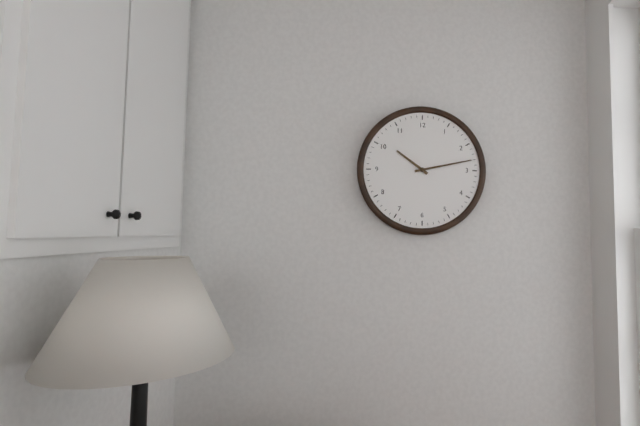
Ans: h=10 m=13
